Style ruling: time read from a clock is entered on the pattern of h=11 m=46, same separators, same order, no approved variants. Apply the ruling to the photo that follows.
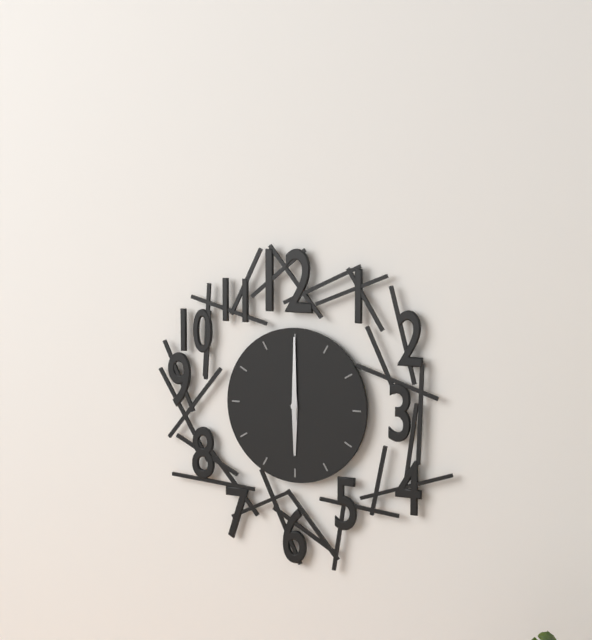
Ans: h=6 m=0
